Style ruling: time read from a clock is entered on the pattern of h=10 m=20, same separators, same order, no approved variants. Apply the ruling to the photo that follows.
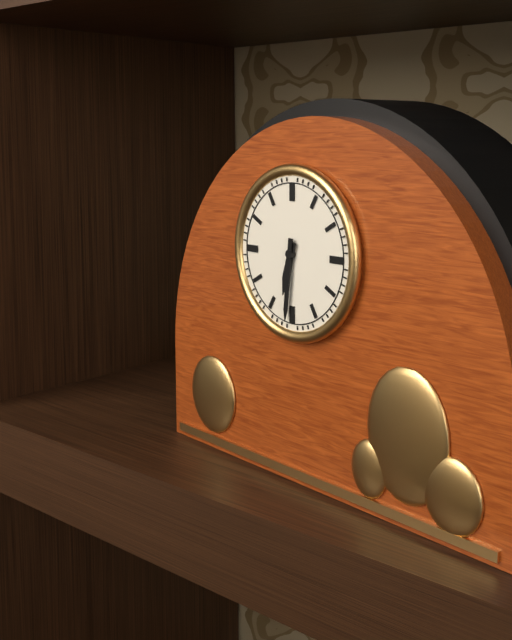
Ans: h=6 m=31
